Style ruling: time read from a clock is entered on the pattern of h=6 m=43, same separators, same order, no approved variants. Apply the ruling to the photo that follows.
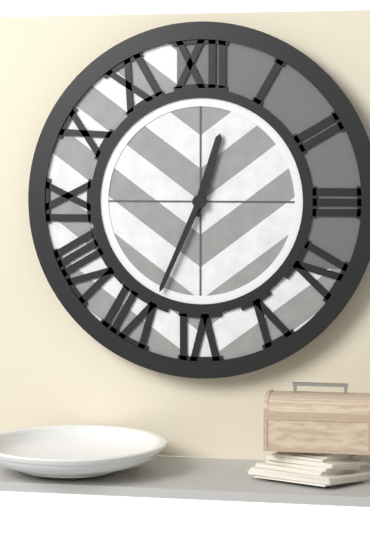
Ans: h=12 m=34
